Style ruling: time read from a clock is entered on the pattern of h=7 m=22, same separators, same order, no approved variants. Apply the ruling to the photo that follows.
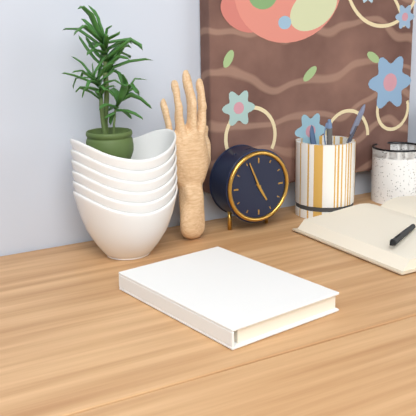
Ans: h=4 m=56
